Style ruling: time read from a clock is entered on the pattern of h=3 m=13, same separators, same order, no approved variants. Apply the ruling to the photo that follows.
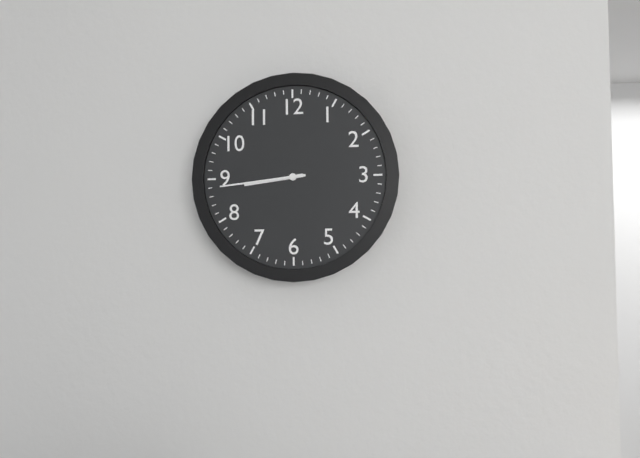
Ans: h=8 m=44
